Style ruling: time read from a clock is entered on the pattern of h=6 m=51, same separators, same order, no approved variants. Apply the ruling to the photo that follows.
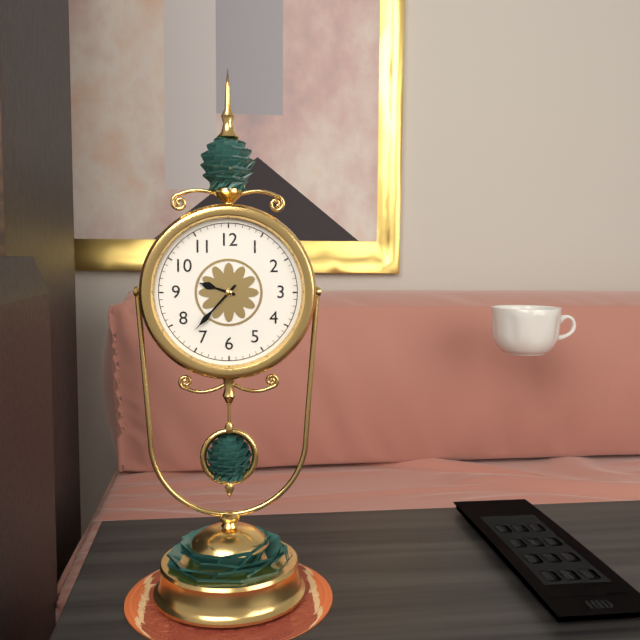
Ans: h=9 m=37
